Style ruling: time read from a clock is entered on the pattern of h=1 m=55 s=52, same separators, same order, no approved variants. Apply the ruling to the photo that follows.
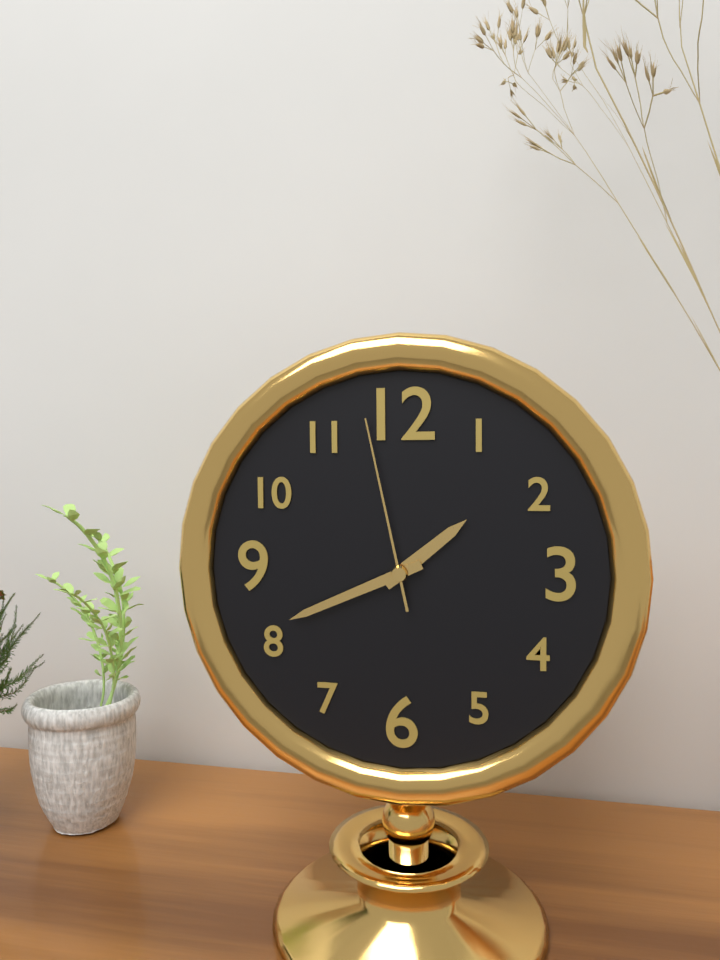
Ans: h=1 m=41 s=58
